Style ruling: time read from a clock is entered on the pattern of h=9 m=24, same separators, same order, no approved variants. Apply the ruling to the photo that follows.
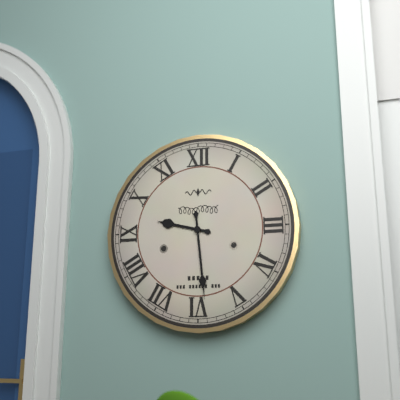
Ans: h=9 m=29
